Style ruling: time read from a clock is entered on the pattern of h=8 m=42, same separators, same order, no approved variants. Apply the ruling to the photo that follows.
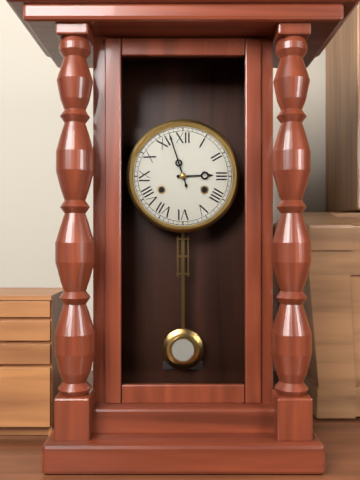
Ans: h=2 m=57
